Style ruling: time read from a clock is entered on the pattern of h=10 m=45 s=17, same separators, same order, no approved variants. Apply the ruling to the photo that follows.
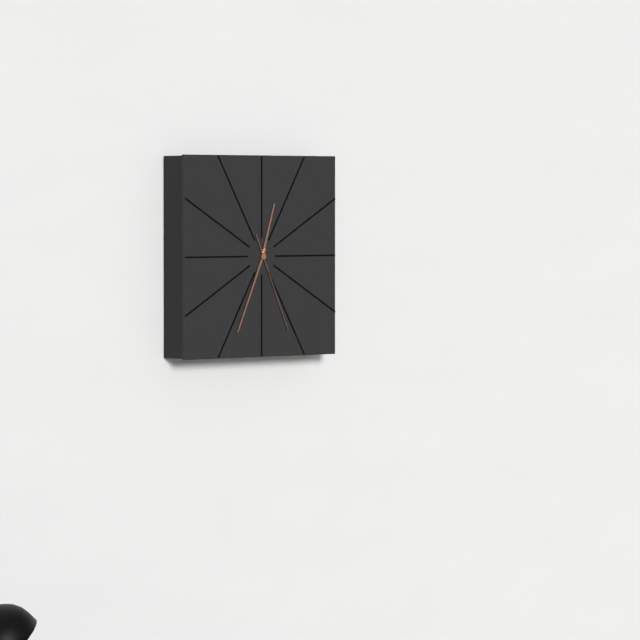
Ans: h=12 m=34 s=26
